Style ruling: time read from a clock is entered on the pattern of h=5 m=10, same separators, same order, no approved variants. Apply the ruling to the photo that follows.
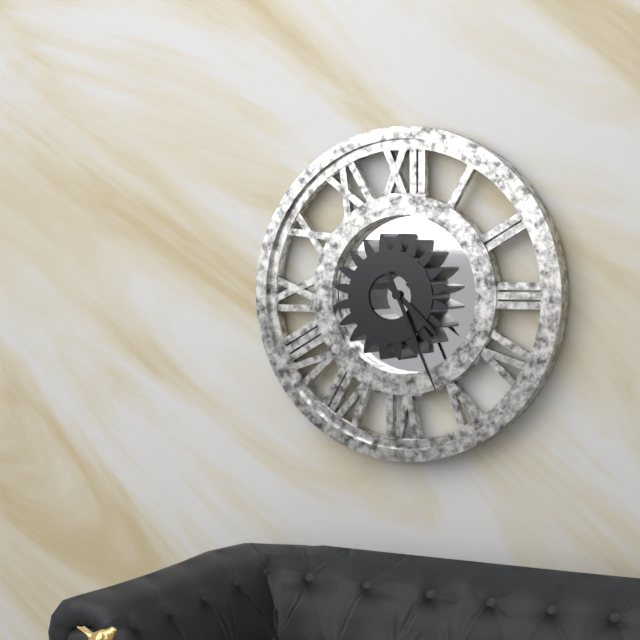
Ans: h=4 m=26
